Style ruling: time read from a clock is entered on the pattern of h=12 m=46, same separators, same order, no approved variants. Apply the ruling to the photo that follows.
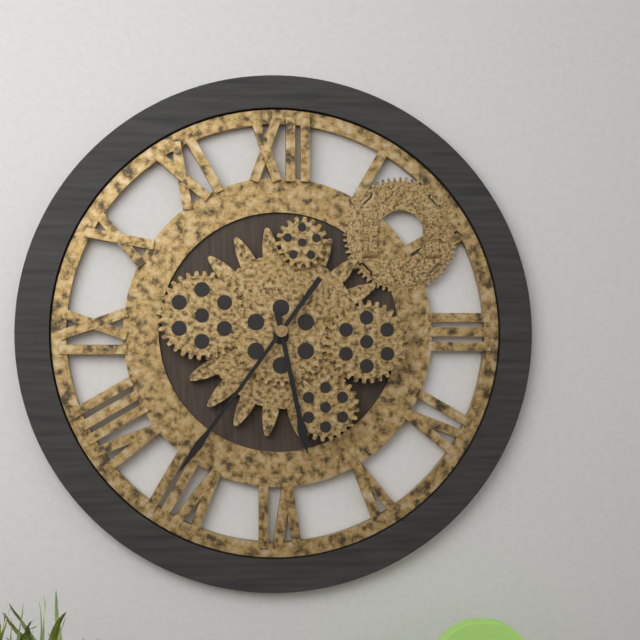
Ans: h=5 m=36
